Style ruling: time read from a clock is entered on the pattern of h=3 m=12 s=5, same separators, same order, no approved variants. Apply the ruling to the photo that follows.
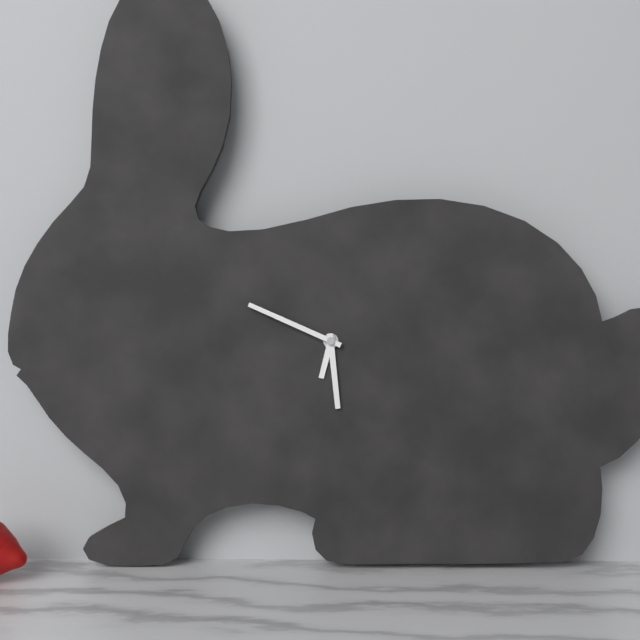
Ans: h=6 m=29 s=49
